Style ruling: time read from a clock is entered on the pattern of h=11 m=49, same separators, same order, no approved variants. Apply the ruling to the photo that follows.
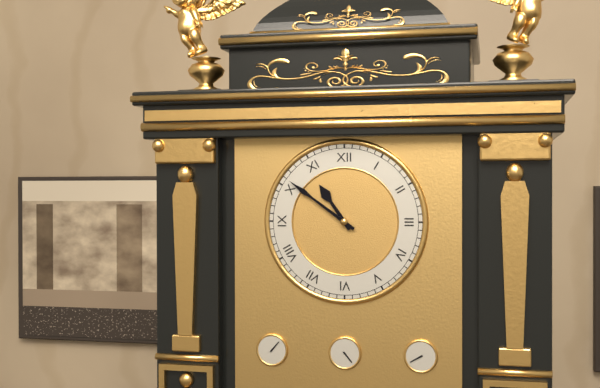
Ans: h=10 m=51
